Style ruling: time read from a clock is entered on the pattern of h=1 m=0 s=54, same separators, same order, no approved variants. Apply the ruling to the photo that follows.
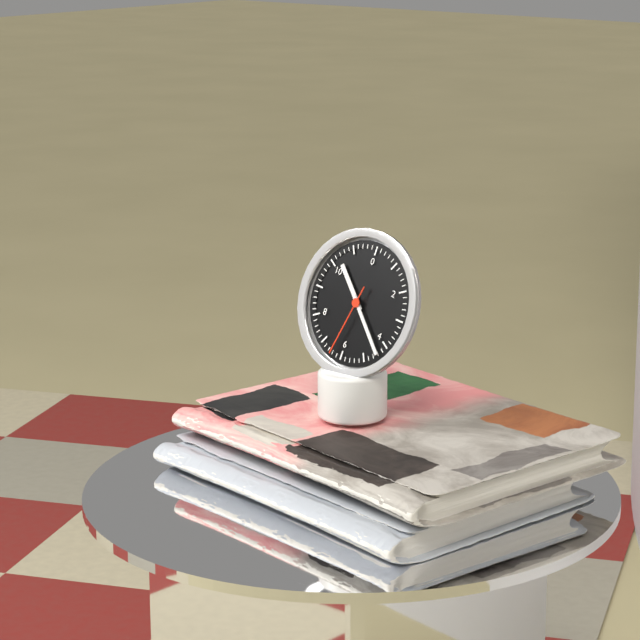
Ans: h=10 m=22 s=32
